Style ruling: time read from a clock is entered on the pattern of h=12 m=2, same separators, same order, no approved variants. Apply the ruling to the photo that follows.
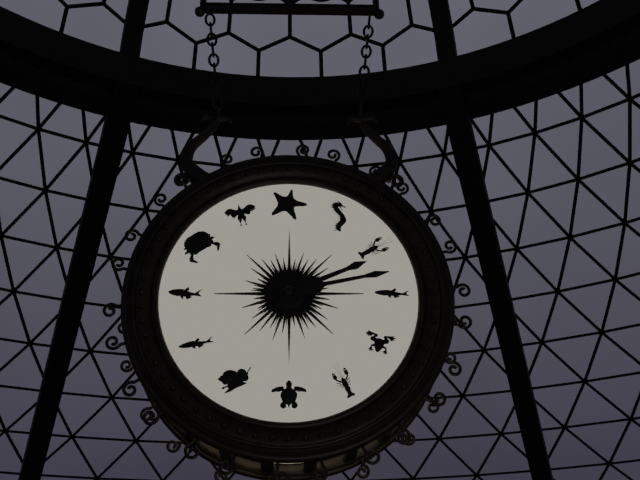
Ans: h=2 m=13
